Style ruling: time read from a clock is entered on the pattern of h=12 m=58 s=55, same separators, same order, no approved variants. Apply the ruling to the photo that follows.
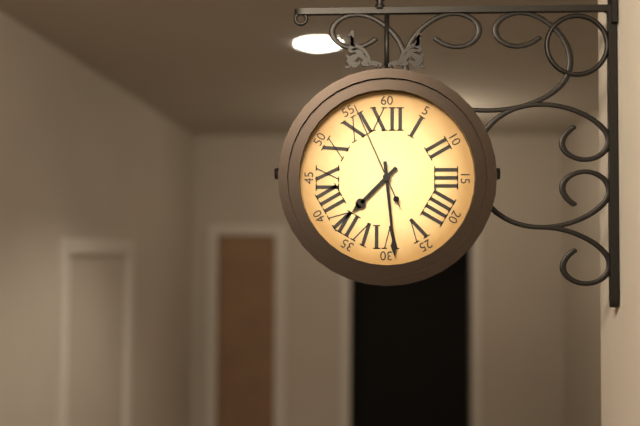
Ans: h=7 m=29 s=56
